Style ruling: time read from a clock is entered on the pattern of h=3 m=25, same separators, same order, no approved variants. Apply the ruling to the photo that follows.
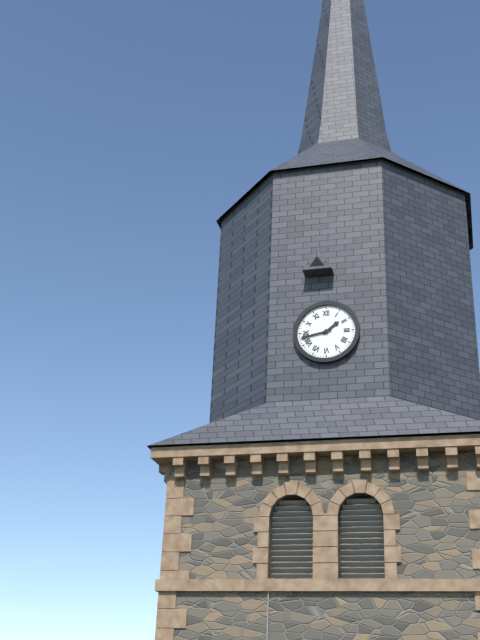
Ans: h=1 m=43
